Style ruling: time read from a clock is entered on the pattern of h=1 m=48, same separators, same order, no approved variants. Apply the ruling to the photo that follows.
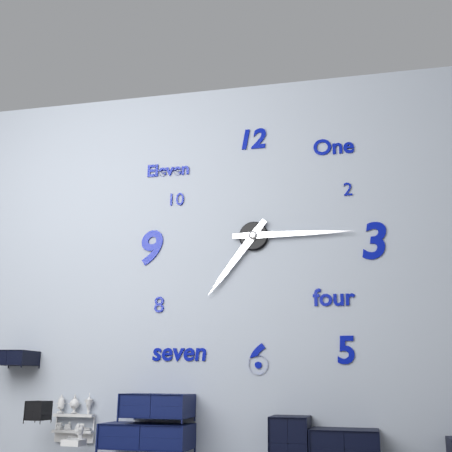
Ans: h=7 m=15
